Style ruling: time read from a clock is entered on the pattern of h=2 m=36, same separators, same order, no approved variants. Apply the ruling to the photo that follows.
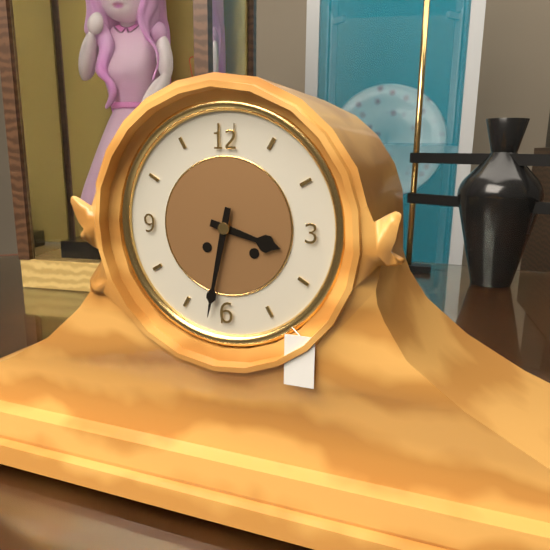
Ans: h=3 m=32
